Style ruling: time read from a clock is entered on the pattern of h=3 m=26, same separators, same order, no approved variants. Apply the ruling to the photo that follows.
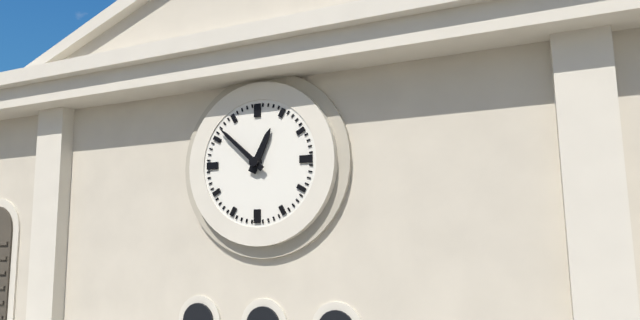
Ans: h=12 m=52
